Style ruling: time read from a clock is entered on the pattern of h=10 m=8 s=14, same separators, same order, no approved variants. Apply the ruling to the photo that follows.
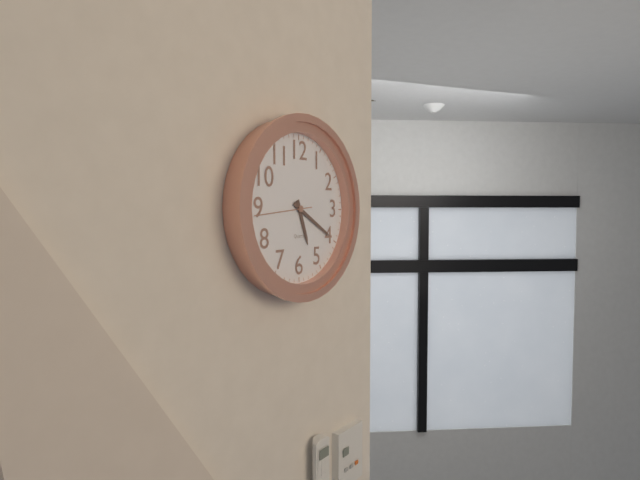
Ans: h=5 m=20 s=44
